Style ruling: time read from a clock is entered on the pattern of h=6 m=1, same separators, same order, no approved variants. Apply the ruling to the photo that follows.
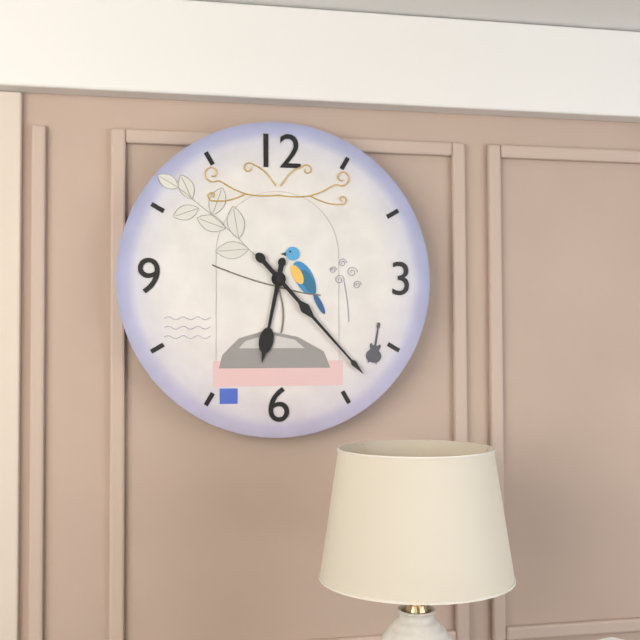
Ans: h=6 m=23
